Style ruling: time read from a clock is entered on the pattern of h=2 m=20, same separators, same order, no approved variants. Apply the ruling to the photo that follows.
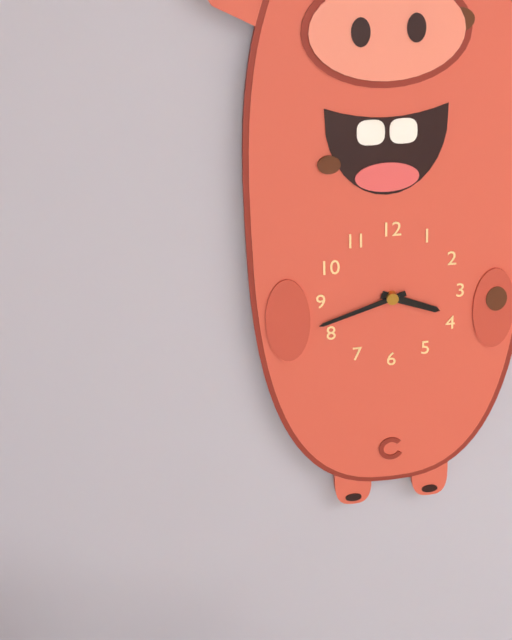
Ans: h=3 m=42
